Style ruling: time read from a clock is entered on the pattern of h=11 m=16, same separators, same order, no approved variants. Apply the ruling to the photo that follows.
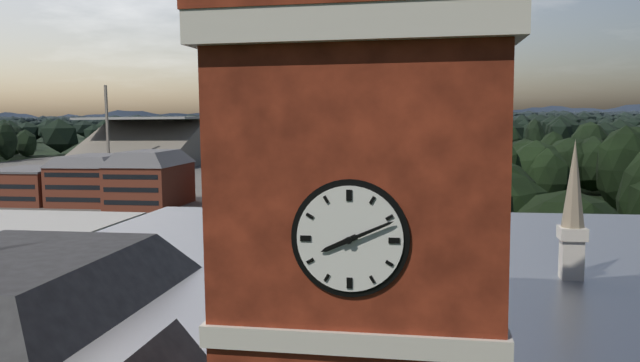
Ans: h=8 m=11
